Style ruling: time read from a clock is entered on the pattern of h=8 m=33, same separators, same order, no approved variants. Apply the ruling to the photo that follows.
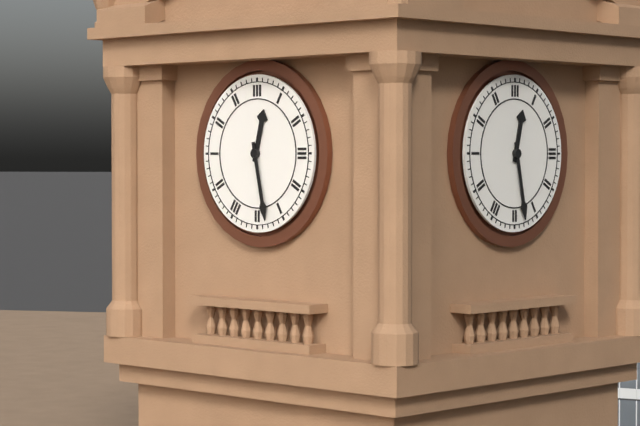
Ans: h=12 m=28
